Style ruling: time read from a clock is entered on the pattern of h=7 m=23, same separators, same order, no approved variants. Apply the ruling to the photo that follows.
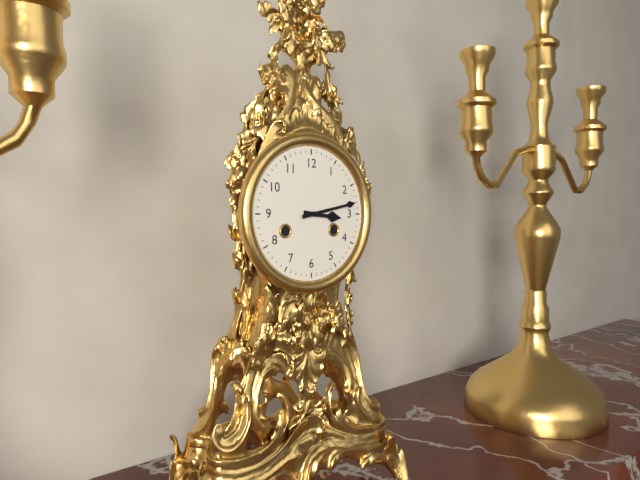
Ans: h=3 m=13
